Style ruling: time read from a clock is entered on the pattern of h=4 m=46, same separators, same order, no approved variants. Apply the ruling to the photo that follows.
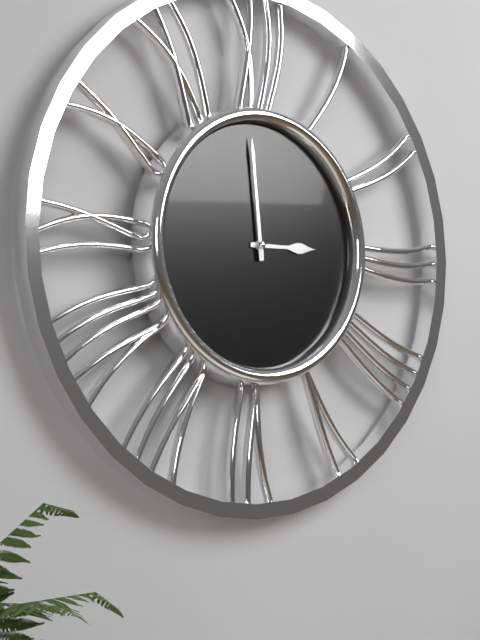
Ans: h=2 m=59
